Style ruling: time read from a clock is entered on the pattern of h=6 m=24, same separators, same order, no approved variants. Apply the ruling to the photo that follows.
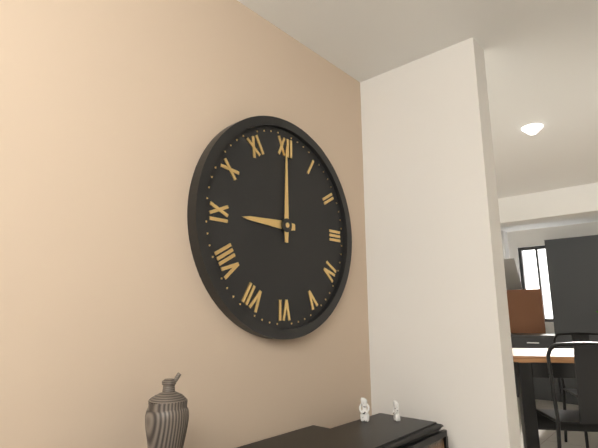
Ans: h=9 m=0
